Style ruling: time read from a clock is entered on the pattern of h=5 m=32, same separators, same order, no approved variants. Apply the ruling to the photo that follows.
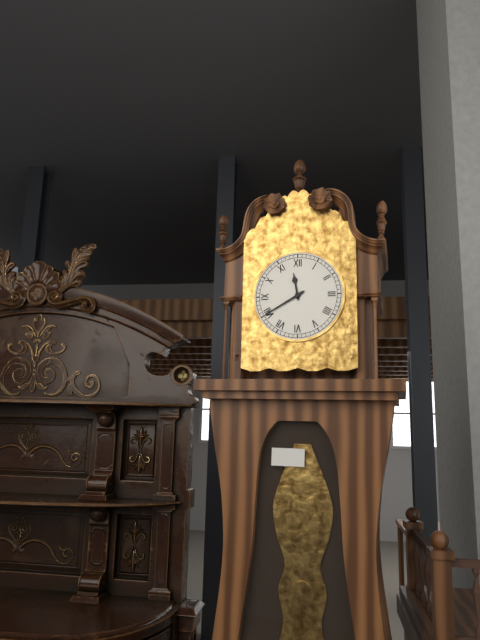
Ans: h=11 m=40
